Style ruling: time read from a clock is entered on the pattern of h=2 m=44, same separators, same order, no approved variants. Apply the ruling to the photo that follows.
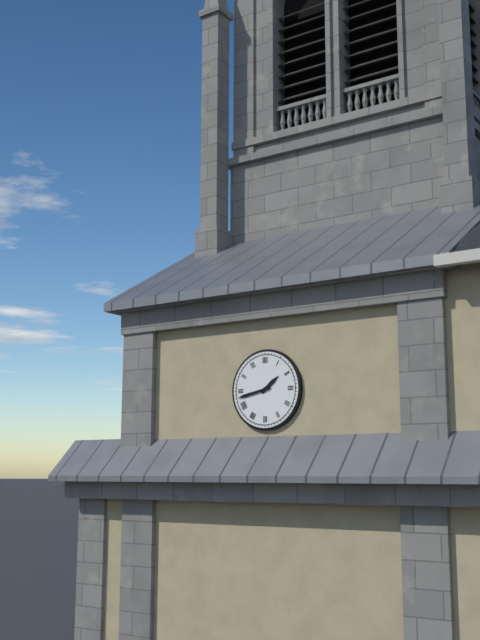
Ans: h=1 m=43
